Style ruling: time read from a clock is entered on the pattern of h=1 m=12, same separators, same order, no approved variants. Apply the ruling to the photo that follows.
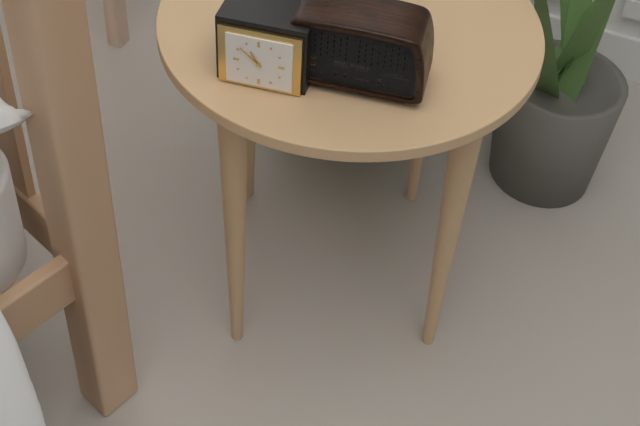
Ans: h=10 m=52
